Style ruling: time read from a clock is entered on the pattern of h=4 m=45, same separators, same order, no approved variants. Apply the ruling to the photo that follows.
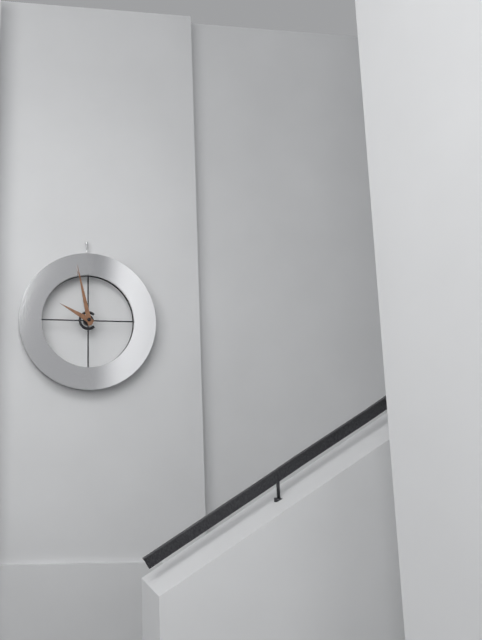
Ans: h=9 m=58
